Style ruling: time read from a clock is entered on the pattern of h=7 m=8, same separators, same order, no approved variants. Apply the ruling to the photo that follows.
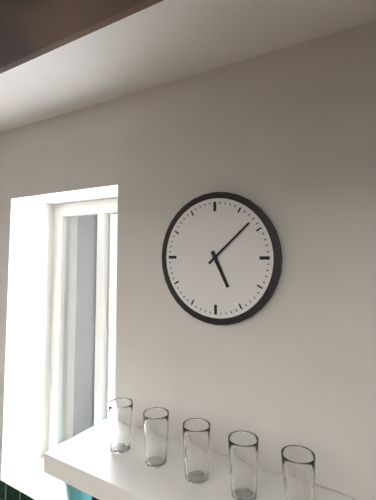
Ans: h=5 m=8
